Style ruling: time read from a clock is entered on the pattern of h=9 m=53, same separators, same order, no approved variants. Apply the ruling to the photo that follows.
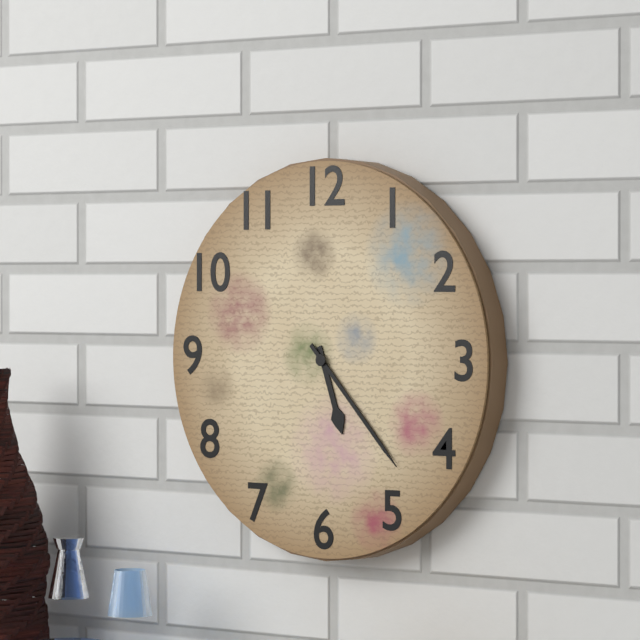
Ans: h=5 m=23
